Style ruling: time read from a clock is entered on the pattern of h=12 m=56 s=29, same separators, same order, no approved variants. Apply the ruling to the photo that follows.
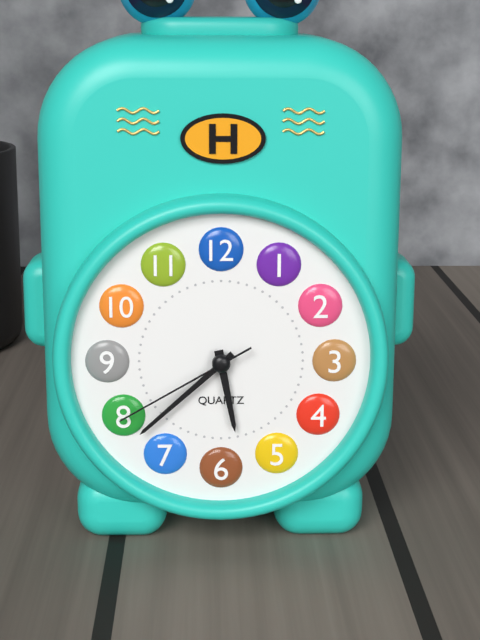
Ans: h=5 m=38 s=40
